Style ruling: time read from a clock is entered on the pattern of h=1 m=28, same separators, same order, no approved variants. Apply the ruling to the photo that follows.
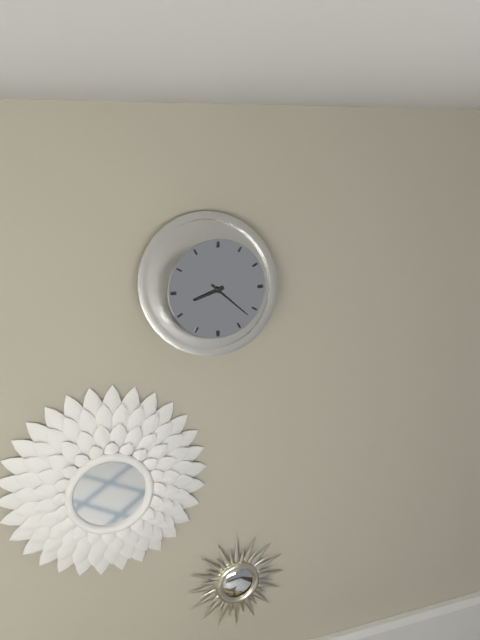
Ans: h=8 m=22
